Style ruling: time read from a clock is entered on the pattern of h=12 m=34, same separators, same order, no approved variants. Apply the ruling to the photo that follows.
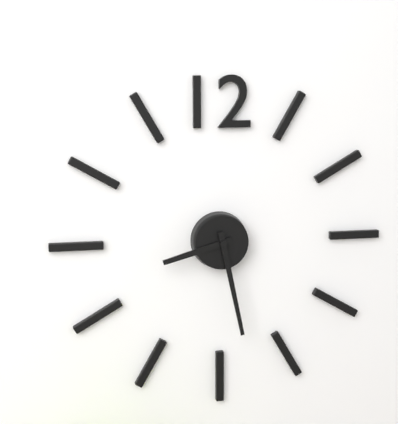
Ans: h=8 m=28
